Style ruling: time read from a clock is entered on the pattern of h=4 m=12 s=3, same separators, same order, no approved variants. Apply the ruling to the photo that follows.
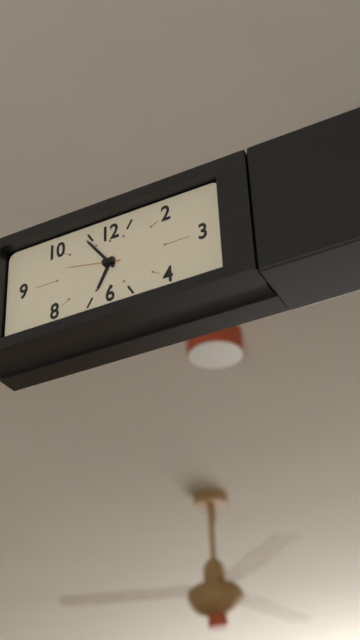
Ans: h=6 m=54 s=47
